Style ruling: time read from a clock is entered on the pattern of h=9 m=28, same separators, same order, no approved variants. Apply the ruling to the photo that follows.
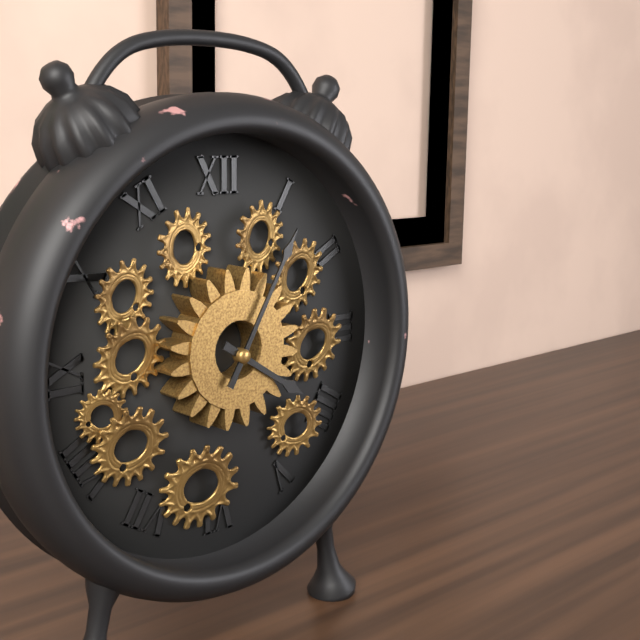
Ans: h=4 m=5
